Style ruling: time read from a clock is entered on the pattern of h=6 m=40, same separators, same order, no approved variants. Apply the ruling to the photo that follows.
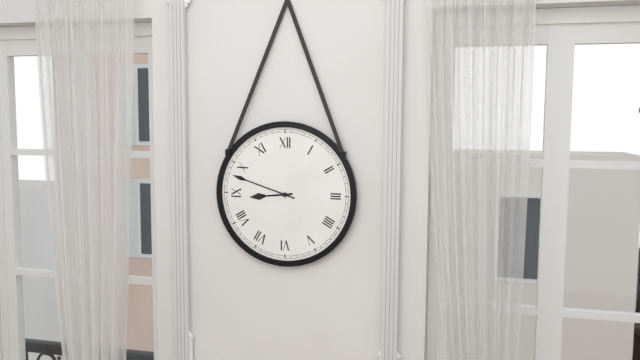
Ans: h=8 m=48
